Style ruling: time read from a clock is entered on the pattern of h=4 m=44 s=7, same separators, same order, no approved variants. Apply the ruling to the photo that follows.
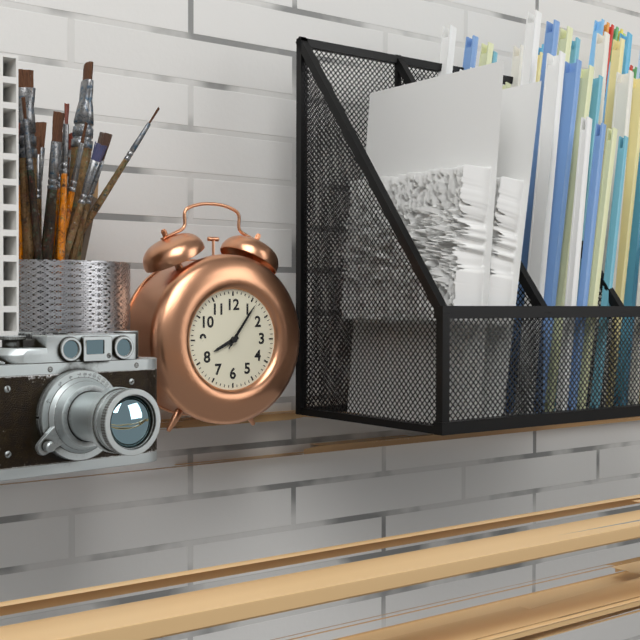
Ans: h=8 m=6 s=6
